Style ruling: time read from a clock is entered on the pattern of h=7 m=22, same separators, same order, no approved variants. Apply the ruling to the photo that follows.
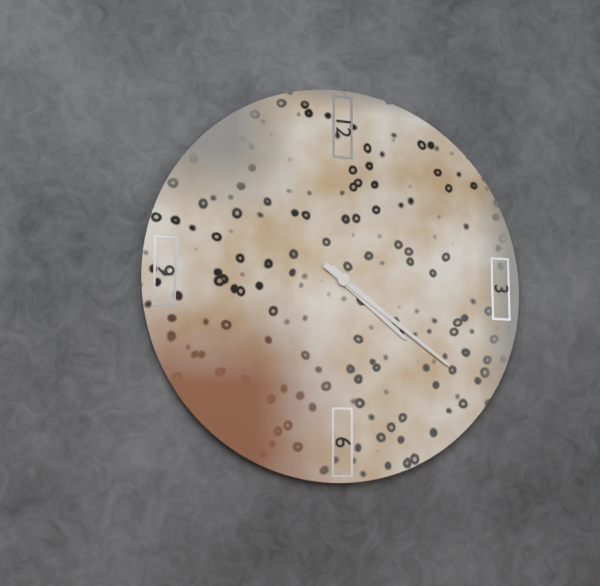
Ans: h=4 m=21
